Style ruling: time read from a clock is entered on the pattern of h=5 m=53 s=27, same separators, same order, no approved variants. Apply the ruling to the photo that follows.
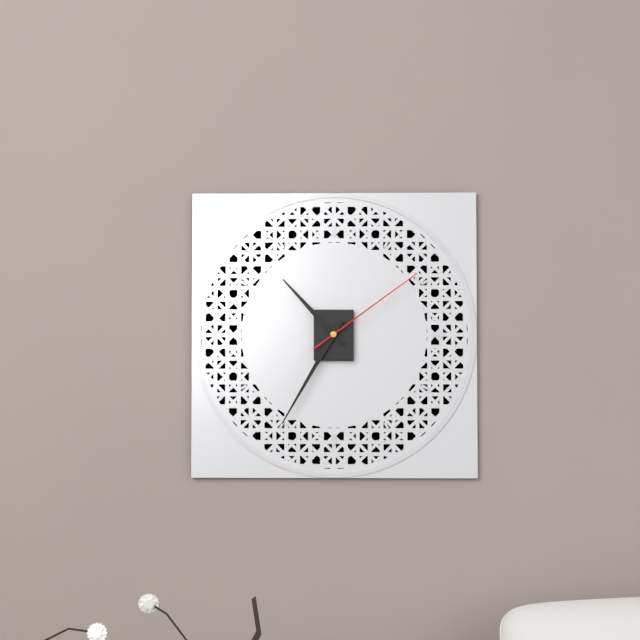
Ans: h=10 m=35 s=9
